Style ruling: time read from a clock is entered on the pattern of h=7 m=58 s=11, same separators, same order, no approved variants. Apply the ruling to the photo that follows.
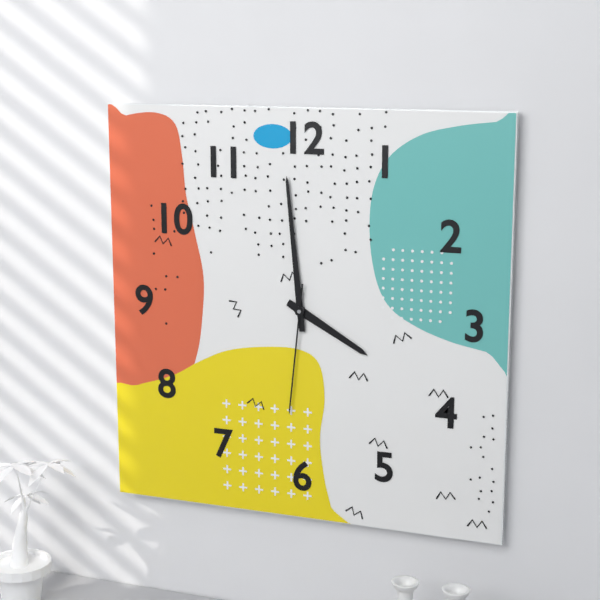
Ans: h=3 m=59 s=31
